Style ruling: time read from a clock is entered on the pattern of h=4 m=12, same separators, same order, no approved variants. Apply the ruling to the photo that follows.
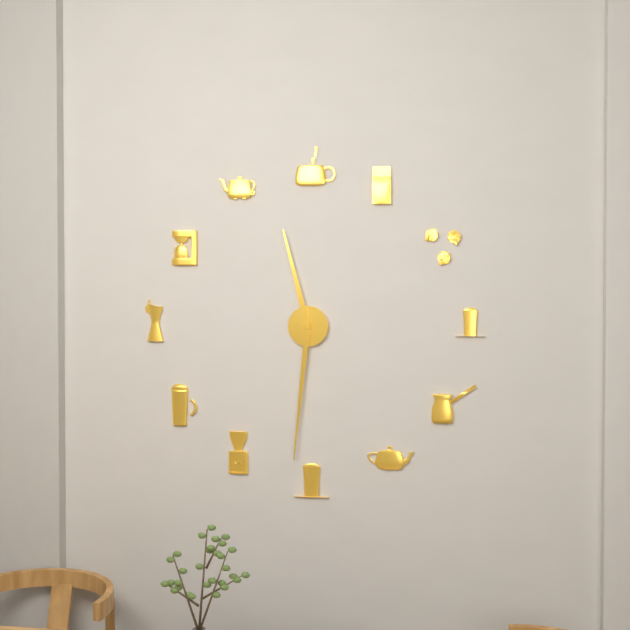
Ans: h=11 m=31
